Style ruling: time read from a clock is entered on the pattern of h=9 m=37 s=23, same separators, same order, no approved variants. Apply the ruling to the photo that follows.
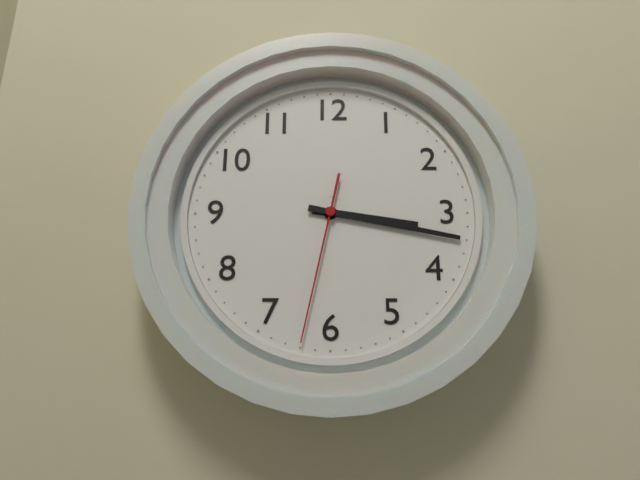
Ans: h=3 m=17 s=32
